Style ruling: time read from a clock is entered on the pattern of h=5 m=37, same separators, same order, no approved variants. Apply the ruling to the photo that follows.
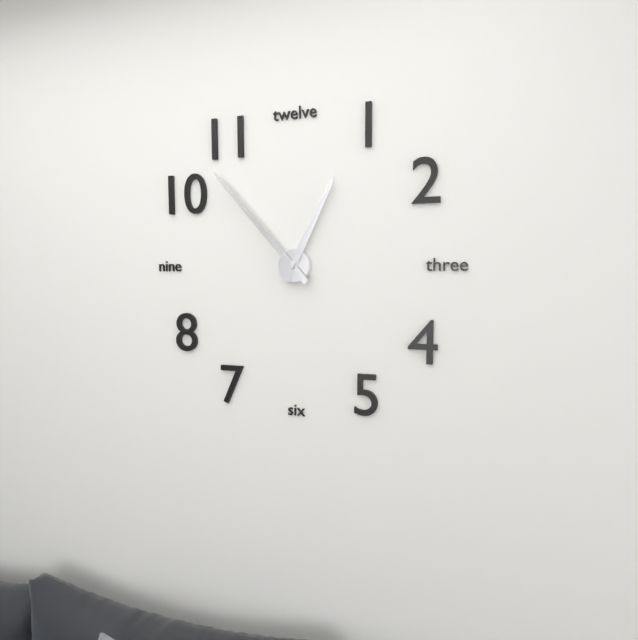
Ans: h=12 m=53
